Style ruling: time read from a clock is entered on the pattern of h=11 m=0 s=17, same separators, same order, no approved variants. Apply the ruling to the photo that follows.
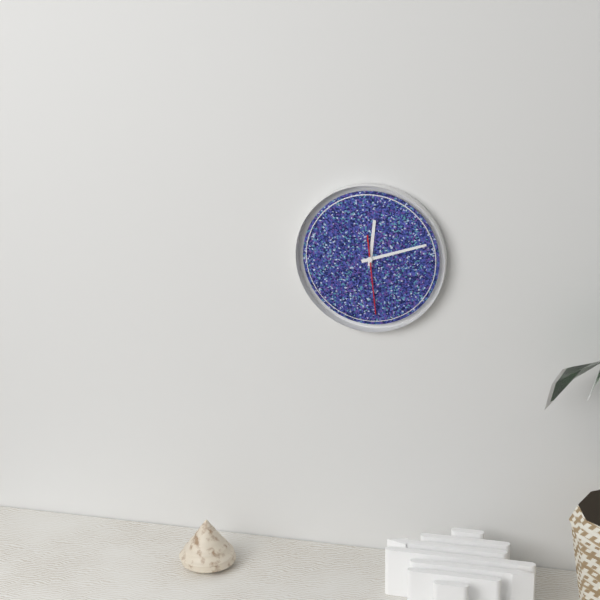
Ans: h=12 m=12 s=29
